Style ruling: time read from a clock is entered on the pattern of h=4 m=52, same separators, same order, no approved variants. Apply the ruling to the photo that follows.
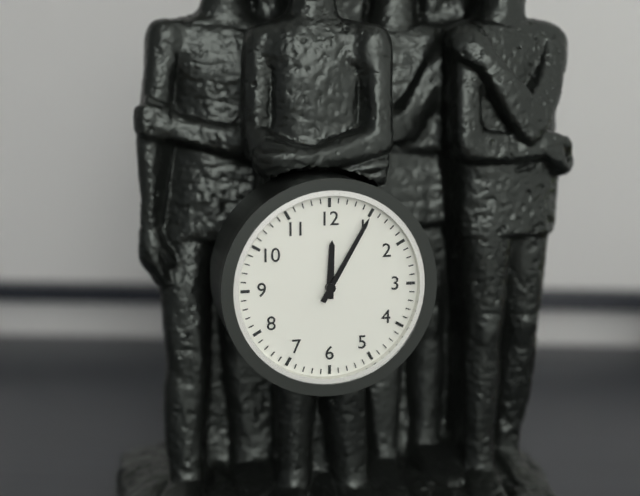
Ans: h=12 m=5
